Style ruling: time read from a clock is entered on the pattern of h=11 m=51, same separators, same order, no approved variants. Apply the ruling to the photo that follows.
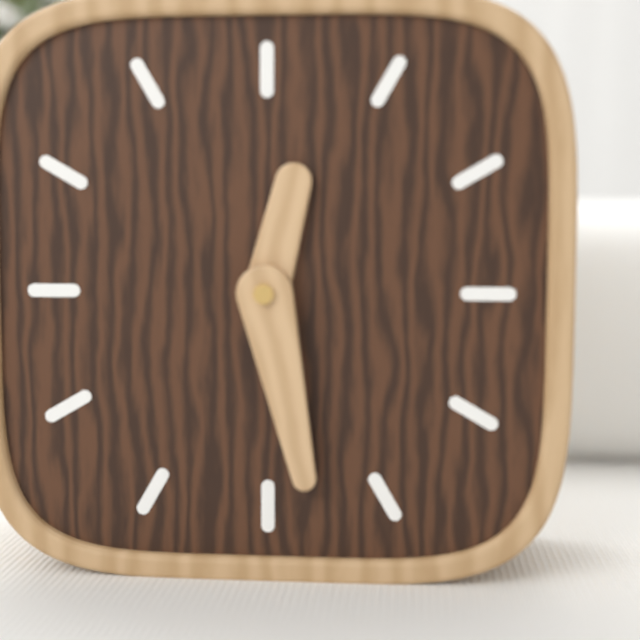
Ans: h=12 m=28
